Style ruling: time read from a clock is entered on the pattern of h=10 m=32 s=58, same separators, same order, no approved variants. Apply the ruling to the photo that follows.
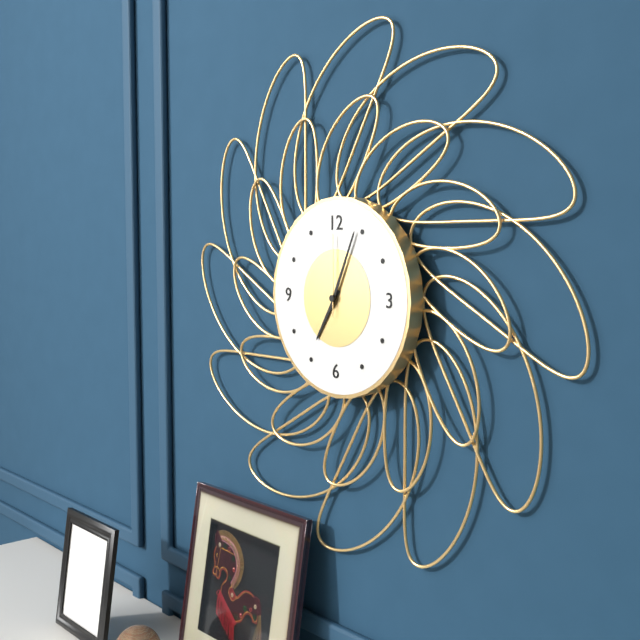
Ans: h=7 m=4 s=0
